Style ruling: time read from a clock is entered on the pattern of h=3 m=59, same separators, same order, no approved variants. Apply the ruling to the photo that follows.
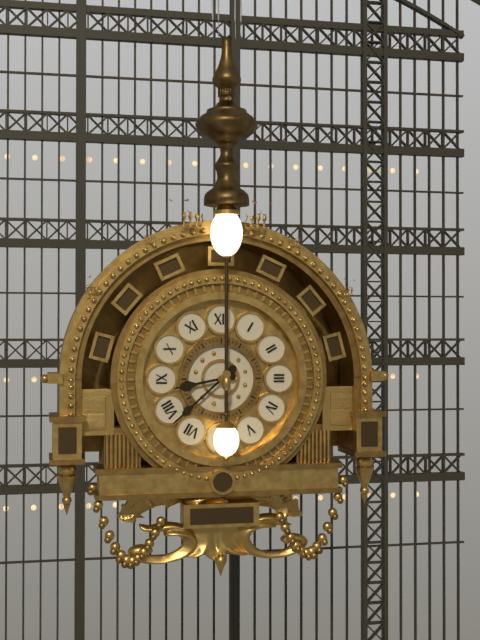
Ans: h=8 m=38
